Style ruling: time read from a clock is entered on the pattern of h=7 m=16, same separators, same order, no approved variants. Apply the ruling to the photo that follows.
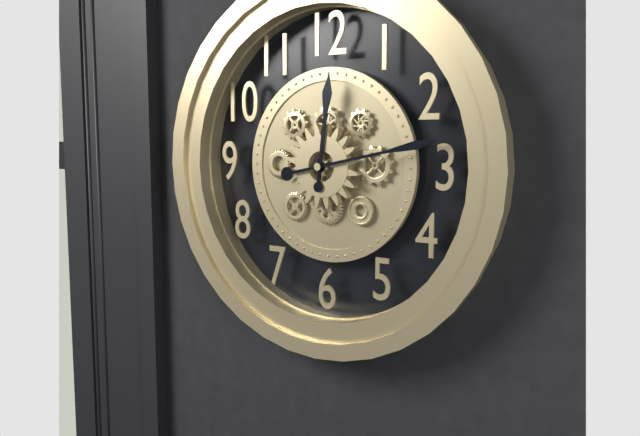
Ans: h=12 m=13
